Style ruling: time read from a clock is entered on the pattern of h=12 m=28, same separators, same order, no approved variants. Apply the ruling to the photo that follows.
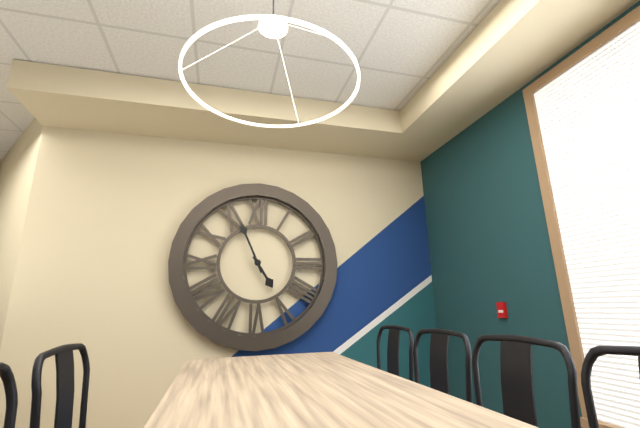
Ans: h=4 m=56
